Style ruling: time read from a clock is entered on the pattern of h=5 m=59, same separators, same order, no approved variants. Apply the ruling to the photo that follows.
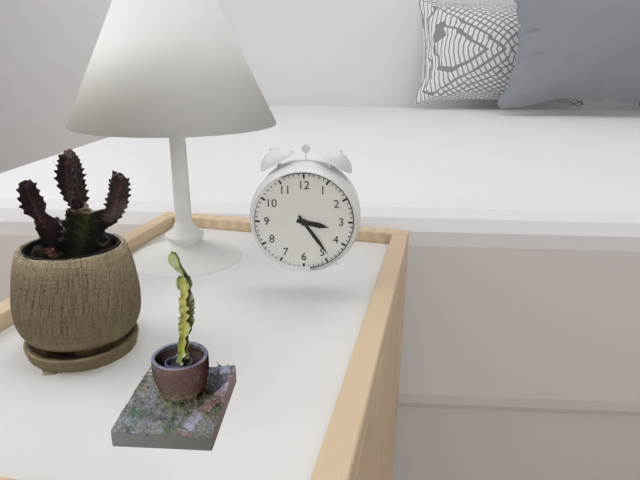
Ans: h=3 m=24
